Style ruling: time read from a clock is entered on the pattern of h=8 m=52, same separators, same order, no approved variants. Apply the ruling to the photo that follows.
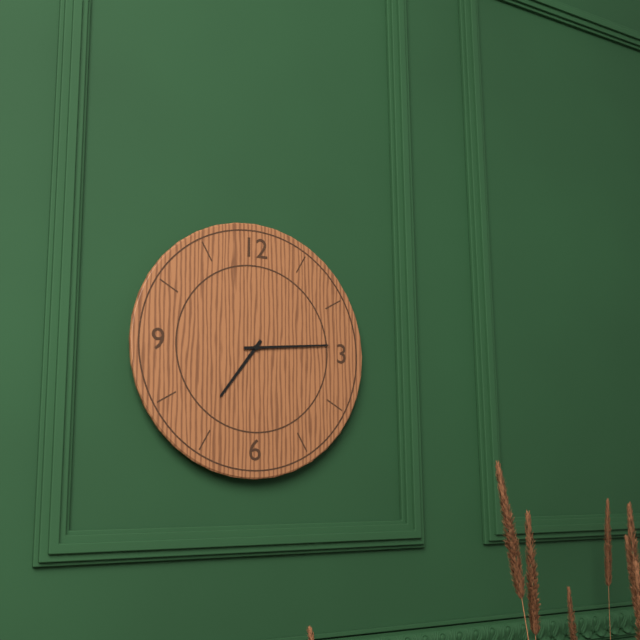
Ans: h=7 m=14
